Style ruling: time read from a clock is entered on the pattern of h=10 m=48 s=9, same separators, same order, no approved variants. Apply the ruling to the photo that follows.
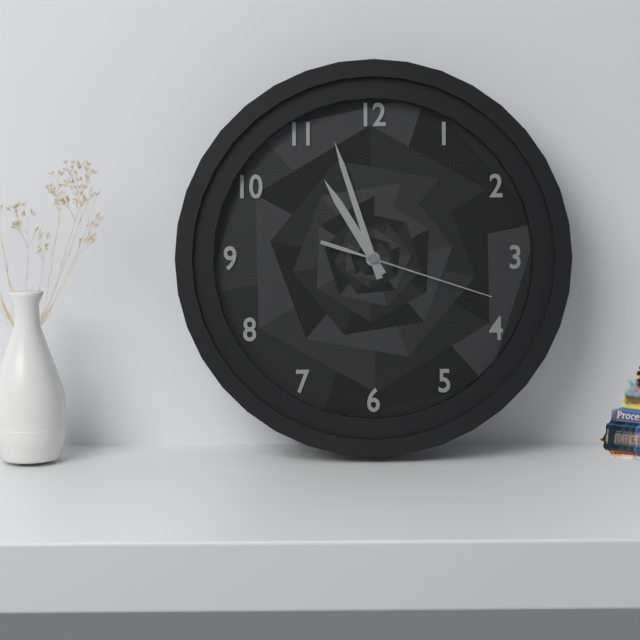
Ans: h=10 m=57 s=18
